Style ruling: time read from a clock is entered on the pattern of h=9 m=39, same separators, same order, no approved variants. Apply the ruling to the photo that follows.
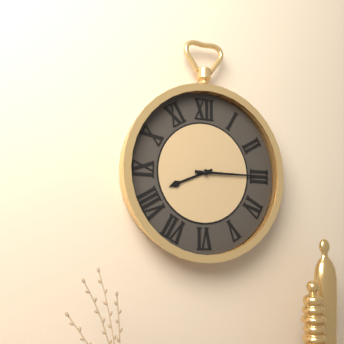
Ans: h=8 m=15
